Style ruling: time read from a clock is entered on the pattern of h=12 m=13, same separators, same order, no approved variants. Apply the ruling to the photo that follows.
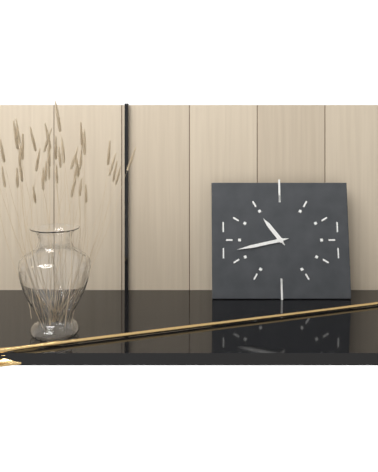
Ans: h=10 m=43
